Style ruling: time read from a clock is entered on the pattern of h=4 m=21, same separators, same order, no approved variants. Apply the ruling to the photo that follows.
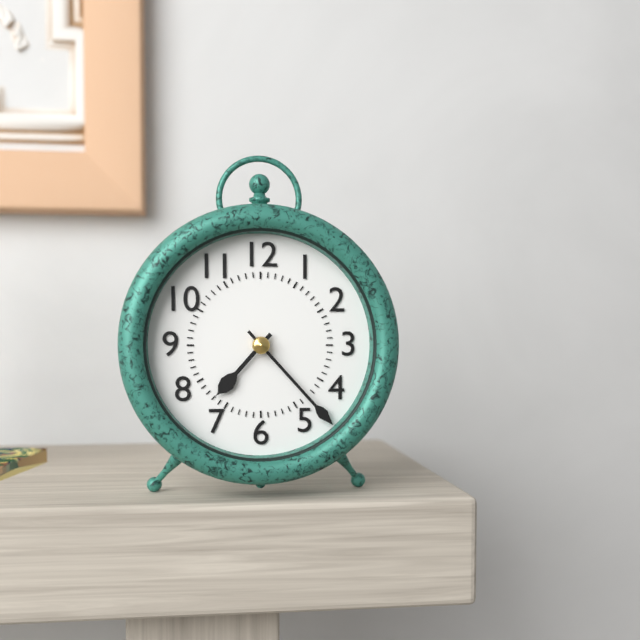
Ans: h=7 m=23
